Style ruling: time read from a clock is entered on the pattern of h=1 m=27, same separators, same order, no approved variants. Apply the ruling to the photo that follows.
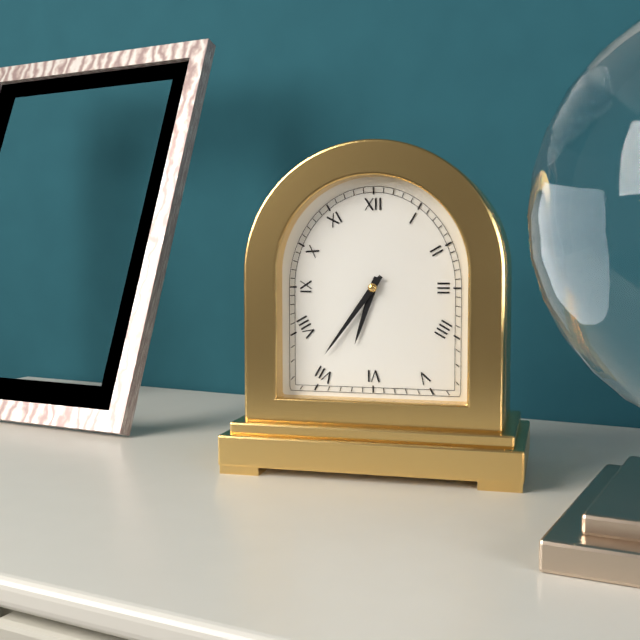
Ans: h=6 m=36
